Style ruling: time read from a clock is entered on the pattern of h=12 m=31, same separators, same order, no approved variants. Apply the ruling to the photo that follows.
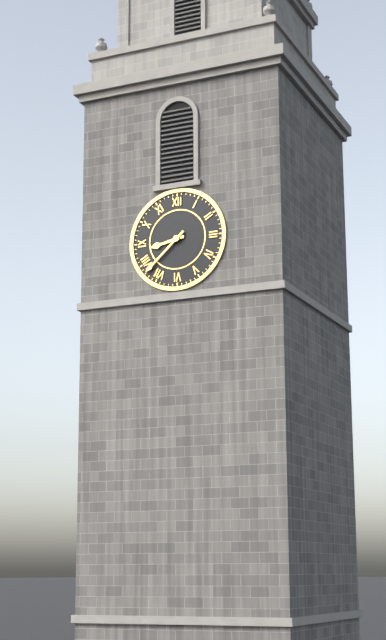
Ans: h=8 m=38
